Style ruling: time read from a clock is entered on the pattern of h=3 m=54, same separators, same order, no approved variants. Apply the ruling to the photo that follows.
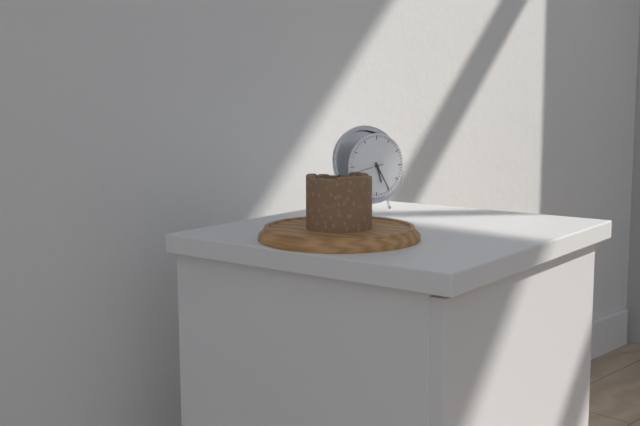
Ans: h=5 m=25
